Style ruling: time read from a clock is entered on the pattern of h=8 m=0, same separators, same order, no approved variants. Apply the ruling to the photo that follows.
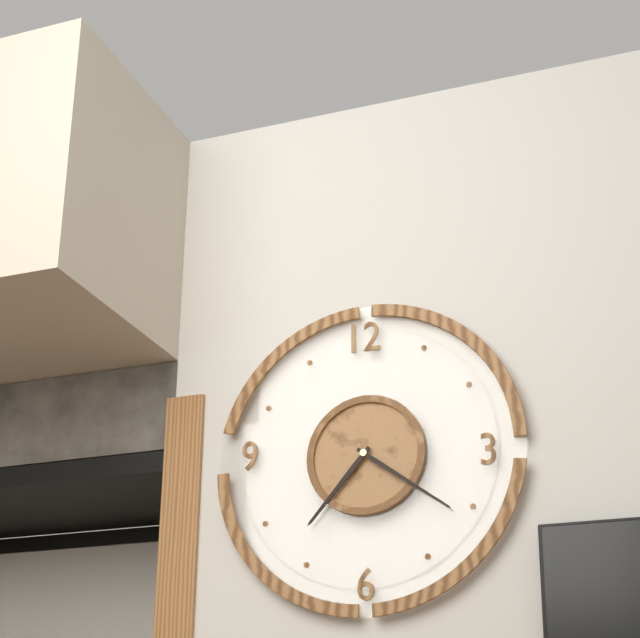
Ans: h=7 m=21
